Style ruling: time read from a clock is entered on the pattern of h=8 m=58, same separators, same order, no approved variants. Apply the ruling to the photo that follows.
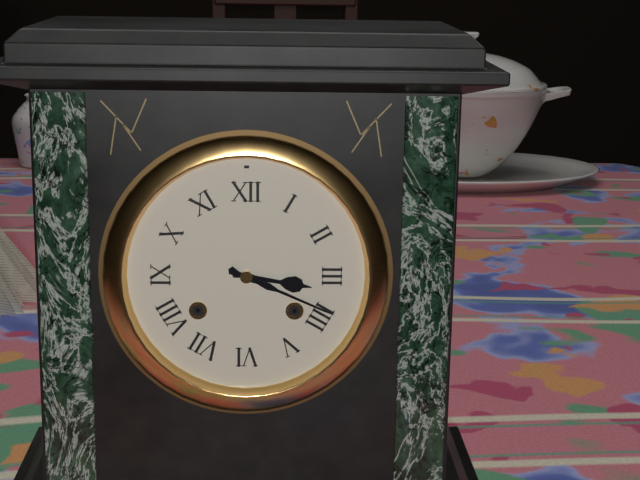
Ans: h=3 m=19
